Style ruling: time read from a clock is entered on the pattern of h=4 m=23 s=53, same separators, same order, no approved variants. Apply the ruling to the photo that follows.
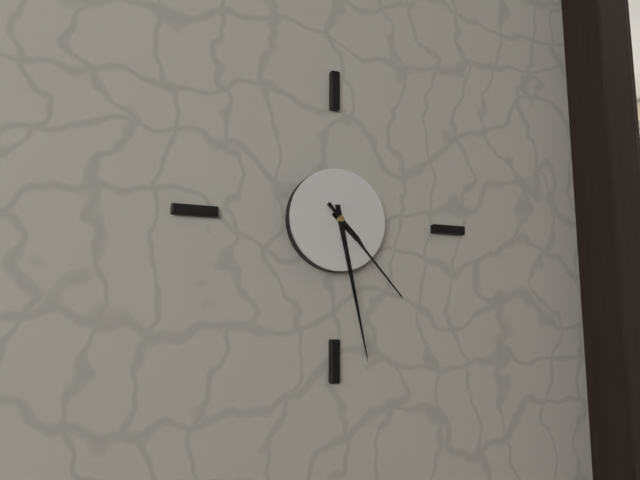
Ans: h=4 m=28 s=23
